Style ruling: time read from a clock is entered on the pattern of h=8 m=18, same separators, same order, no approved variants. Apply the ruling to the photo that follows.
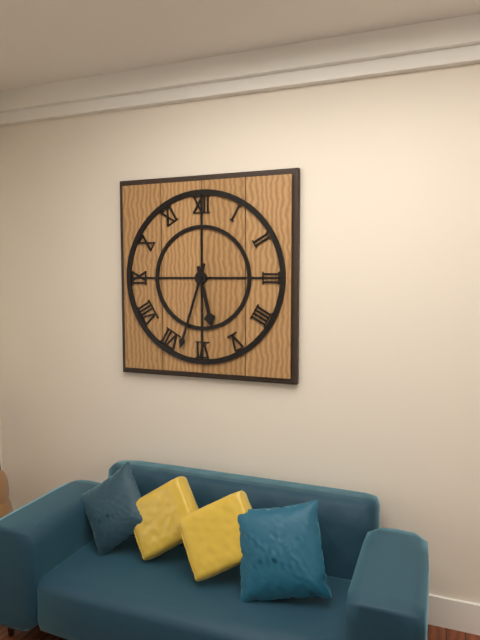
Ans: h=5 m=33
